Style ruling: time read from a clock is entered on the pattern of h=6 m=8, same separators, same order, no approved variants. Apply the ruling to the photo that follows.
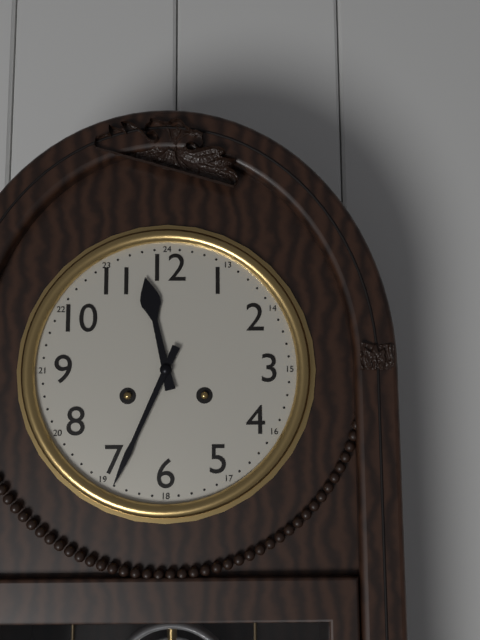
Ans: h=11 m=34
